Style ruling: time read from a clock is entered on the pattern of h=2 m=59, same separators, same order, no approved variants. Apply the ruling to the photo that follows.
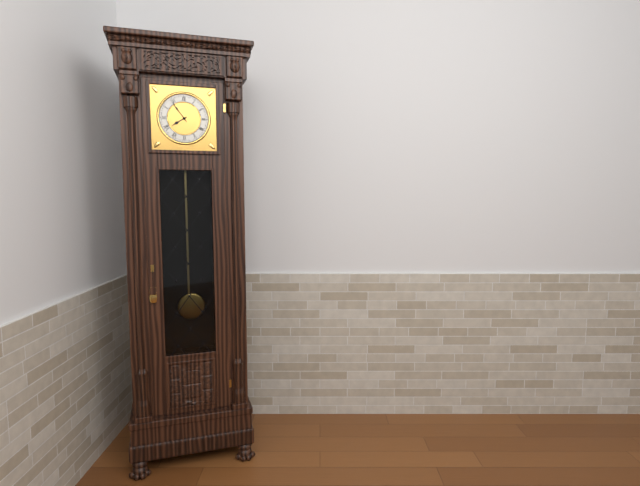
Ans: h=7 m=54
